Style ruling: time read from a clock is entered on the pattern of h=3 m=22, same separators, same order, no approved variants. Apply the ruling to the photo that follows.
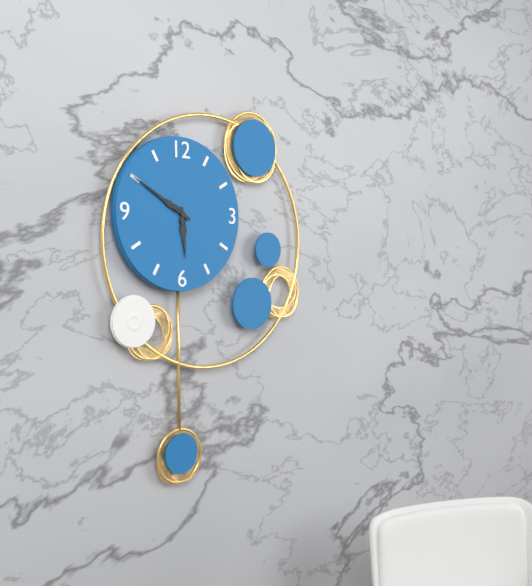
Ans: h=5 m=50
